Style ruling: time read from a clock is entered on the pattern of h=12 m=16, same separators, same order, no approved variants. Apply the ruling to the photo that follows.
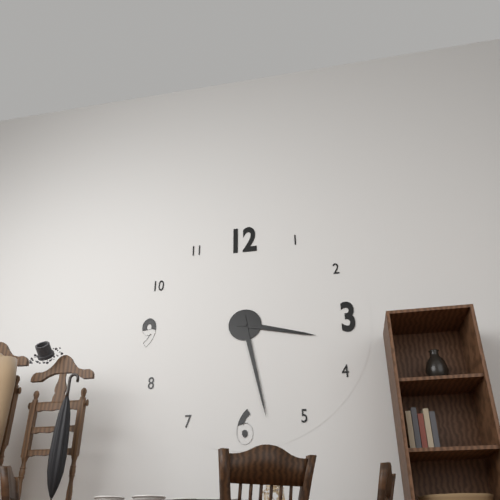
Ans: h=3 m=28
